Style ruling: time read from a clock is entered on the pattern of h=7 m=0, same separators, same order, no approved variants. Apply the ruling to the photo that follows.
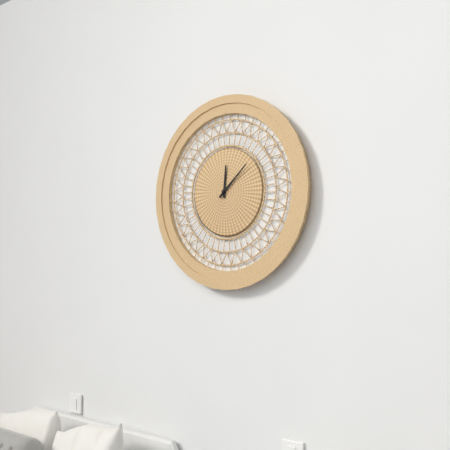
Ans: h=12 m=8
